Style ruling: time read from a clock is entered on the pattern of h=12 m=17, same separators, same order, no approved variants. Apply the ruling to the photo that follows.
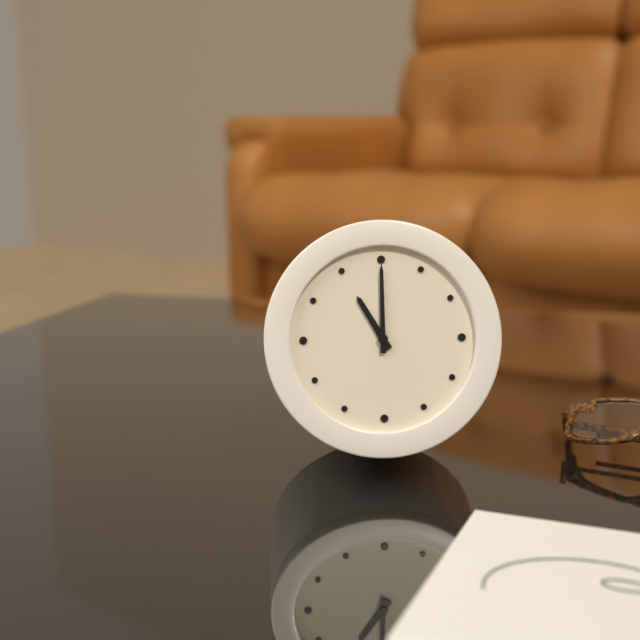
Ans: h=11 m=0
